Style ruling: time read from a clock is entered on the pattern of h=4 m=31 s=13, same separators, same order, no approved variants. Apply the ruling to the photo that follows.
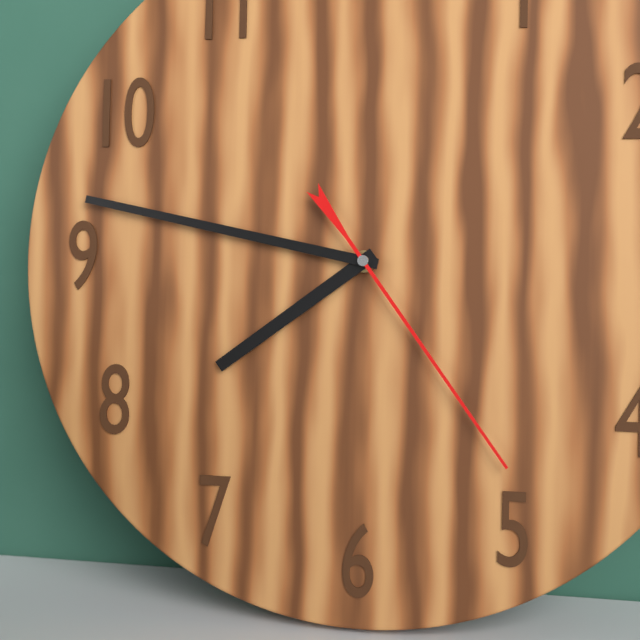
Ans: h=7 m=47 s=24
